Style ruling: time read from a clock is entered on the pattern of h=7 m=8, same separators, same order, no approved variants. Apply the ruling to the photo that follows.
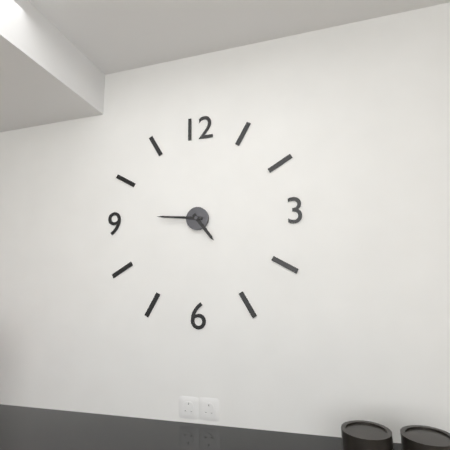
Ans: h=4 m=46
